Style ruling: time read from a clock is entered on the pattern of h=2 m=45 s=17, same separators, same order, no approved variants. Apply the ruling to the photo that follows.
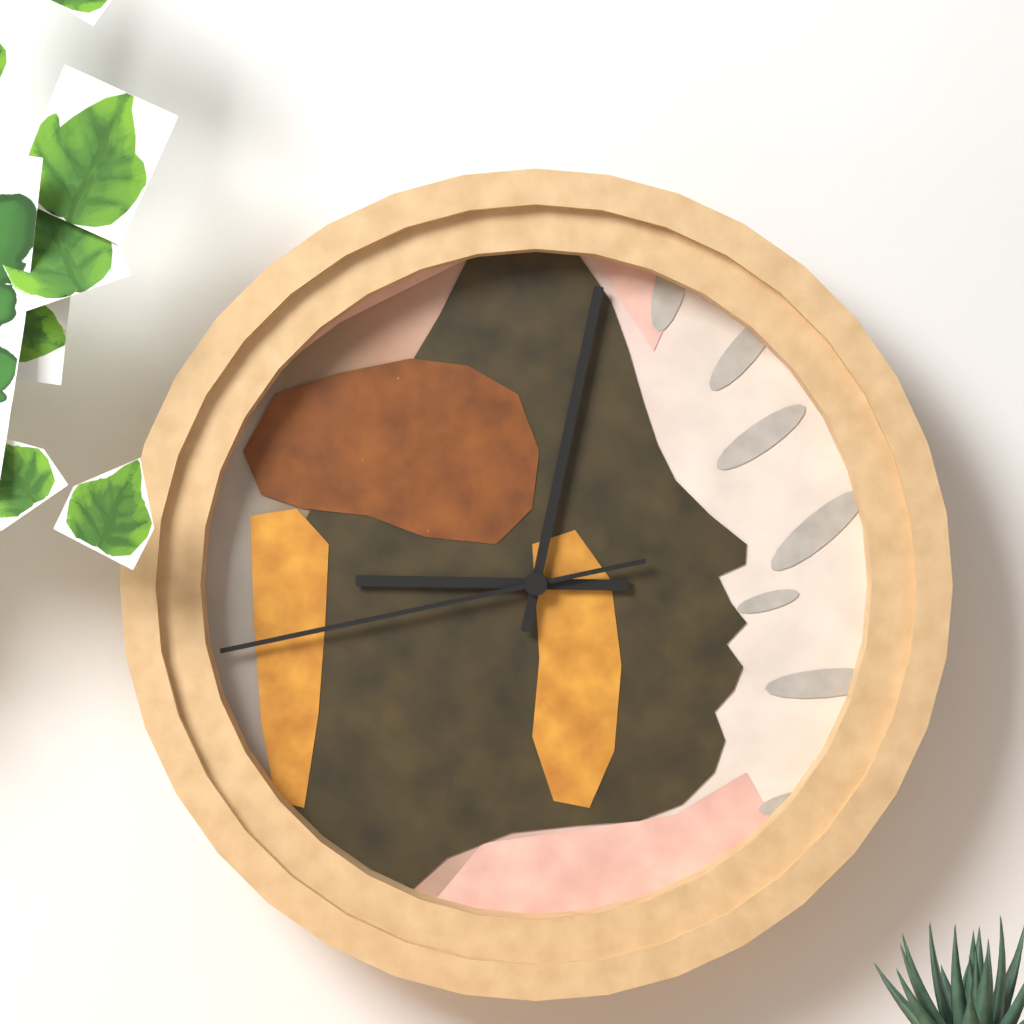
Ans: h=9 m=2 s=43
